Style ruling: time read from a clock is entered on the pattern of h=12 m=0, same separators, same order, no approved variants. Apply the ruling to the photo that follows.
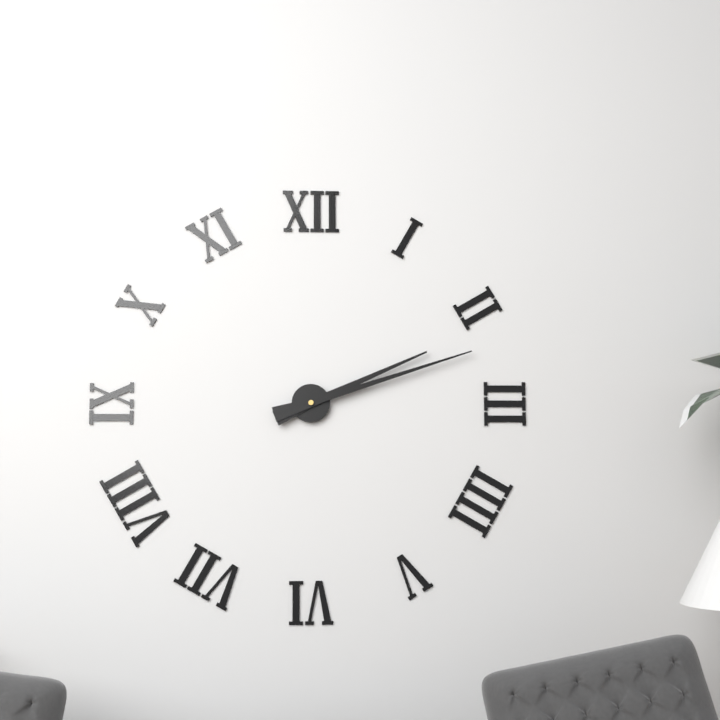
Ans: h=2 m=12
